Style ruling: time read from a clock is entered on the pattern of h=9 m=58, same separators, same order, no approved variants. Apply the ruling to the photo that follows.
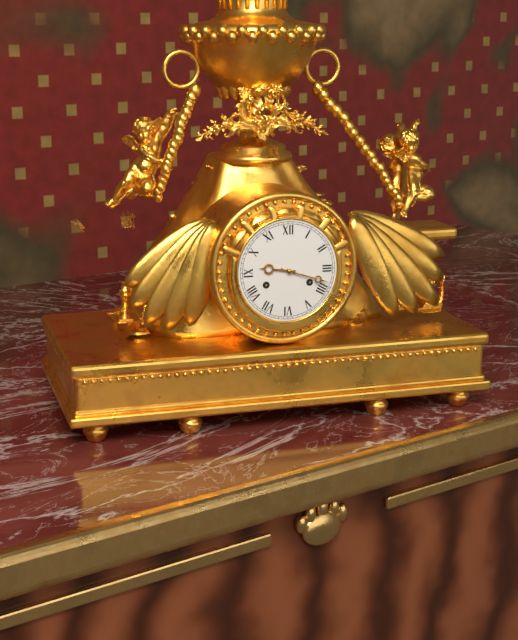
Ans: h=9 m=18
